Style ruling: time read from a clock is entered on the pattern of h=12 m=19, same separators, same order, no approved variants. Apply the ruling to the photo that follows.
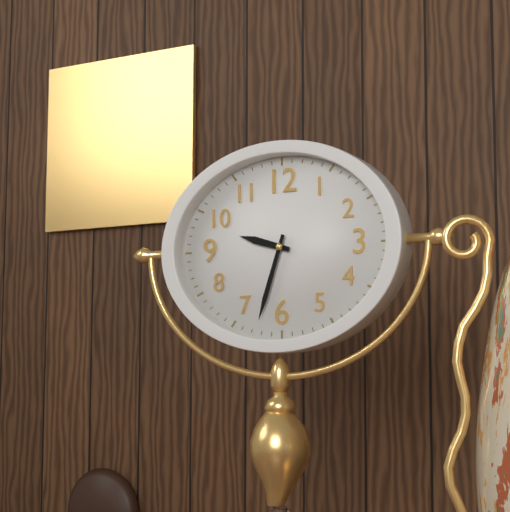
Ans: h=9 m=33
